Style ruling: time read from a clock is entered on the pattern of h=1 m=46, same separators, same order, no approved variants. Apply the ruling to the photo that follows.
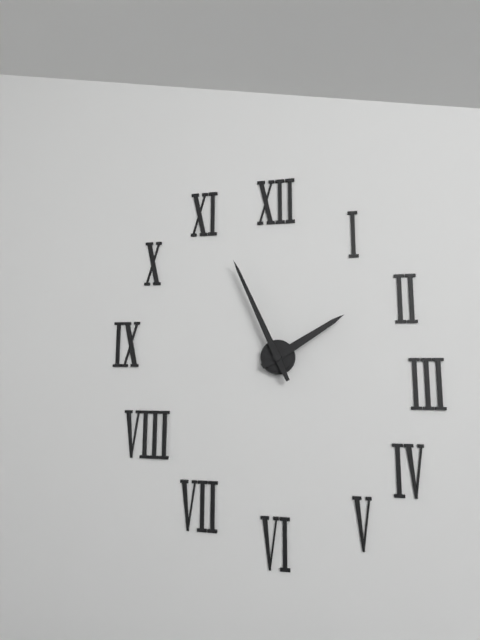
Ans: h=1 m=56
